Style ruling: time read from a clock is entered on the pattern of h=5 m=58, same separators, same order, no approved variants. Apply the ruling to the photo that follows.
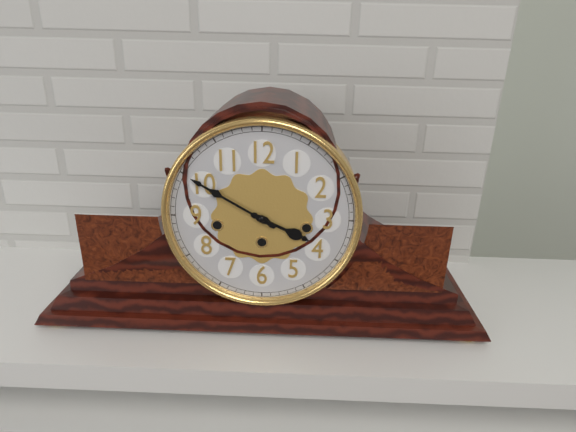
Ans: h=3 m=50
